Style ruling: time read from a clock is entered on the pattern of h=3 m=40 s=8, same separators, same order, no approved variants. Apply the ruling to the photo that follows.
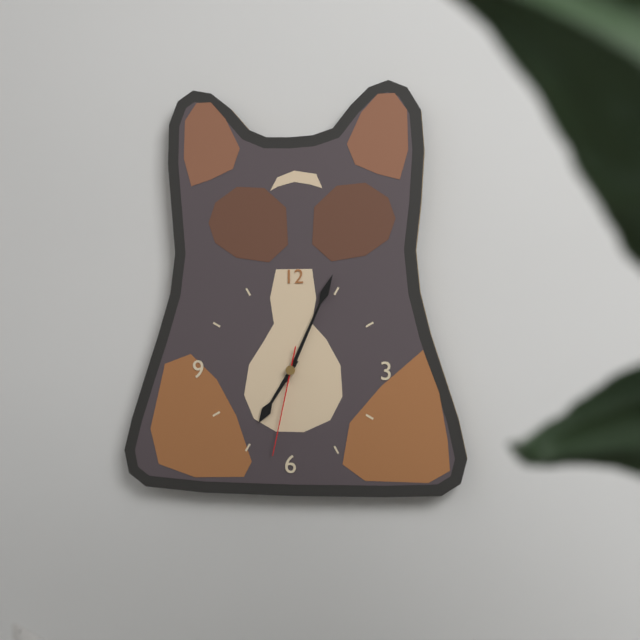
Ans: h=7 m=4 s=32
